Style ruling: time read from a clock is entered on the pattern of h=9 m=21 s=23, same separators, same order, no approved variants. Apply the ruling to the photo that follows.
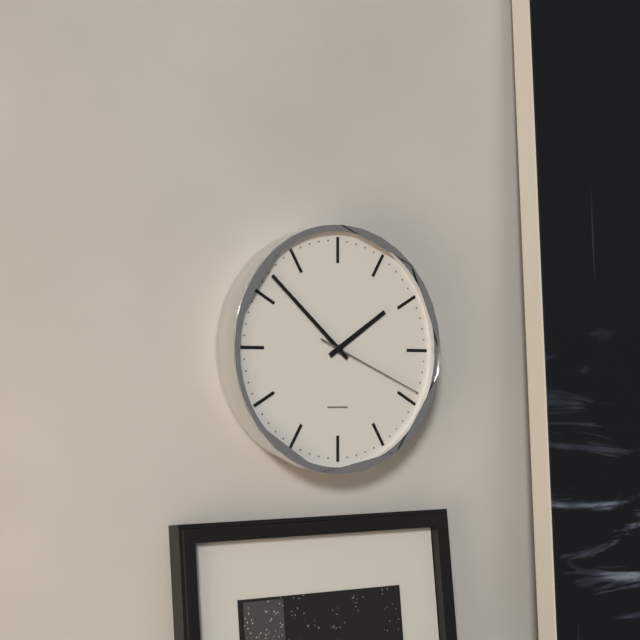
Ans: h=1 m=52 s=19
